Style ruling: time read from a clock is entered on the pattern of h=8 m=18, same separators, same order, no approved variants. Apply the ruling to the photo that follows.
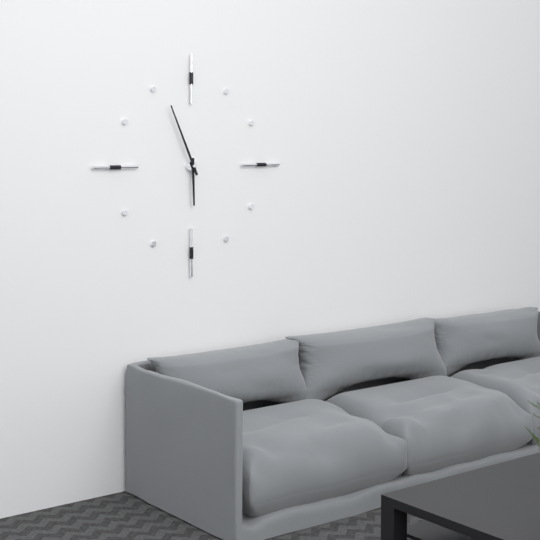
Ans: h=5 m=56
